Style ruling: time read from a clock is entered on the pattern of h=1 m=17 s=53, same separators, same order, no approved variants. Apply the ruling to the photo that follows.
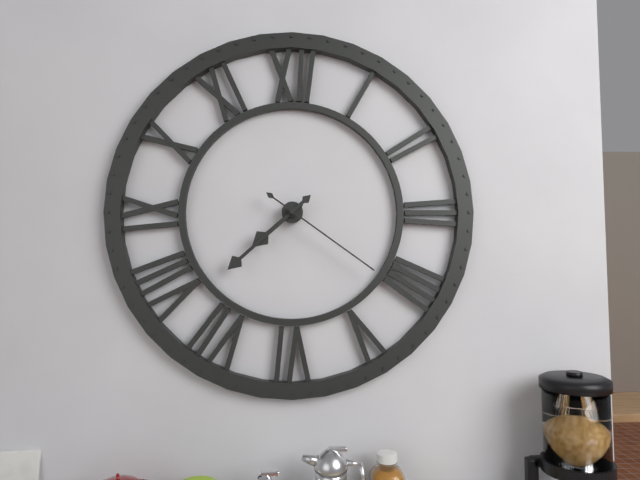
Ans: h=7 m=38 s=21
